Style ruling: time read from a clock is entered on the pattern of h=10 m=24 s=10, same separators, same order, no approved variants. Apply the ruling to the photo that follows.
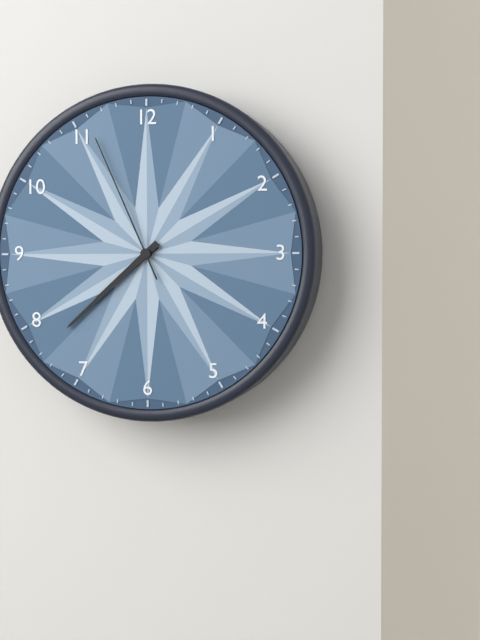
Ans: h=7 m=38 s=56
